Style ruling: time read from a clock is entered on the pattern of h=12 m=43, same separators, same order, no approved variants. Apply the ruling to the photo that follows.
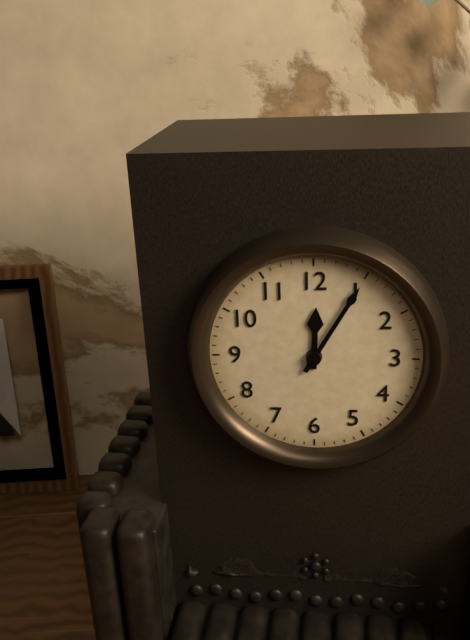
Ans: h=12 m=5
